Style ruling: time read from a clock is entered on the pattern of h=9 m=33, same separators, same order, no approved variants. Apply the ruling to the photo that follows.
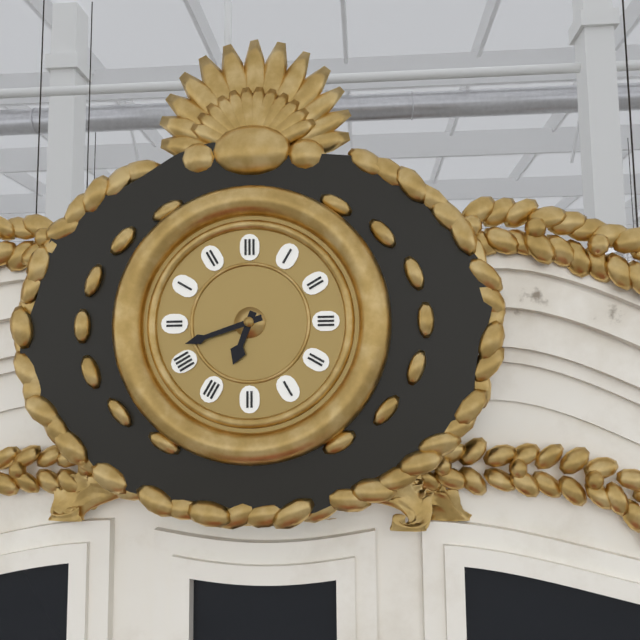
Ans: h=6 m=42
